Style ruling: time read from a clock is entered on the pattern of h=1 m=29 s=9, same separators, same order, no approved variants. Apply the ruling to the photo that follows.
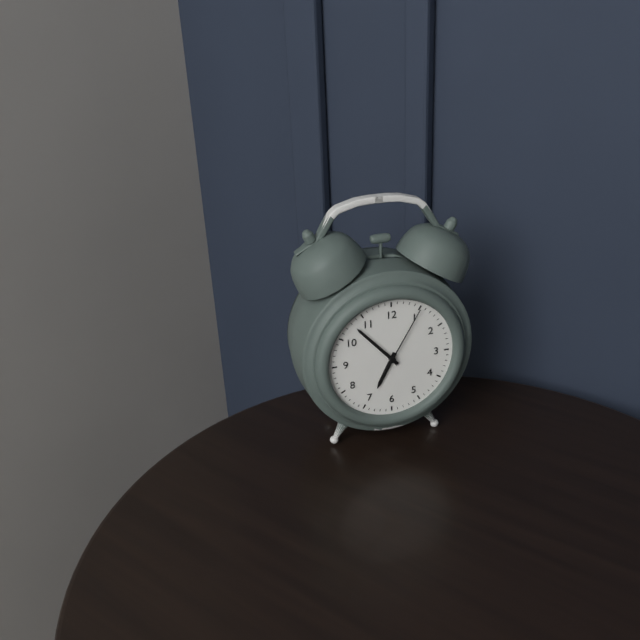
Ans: h=6 m=53 s=5
